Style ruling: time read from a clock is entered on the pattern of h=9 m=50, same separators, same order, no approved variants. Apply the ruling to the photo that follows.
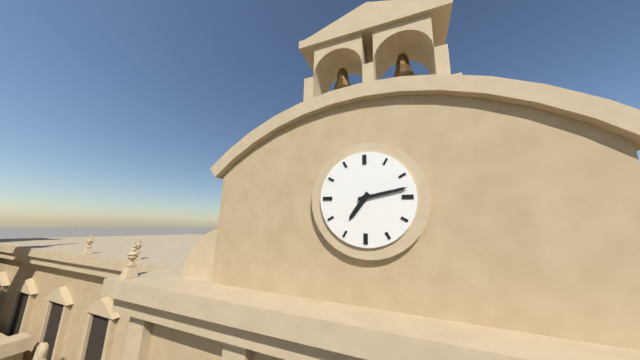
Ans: h=7 m=13
